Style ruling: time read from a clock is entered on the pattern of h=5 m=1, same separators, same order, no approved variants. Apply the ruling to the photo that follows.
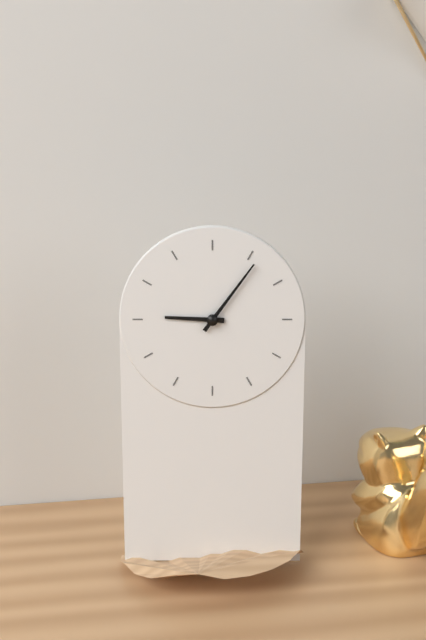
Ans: h=9 m=6
